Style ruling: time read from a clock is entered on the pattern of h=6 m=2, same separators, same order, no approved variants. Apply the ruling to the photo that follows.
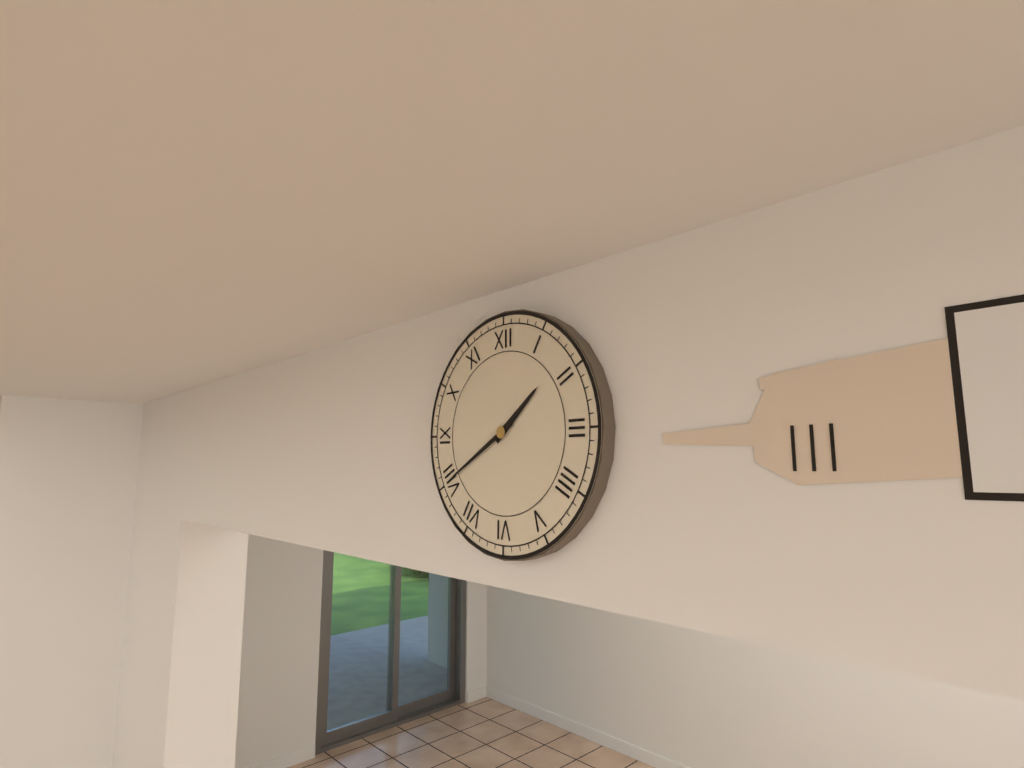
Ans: h=1 m=40
